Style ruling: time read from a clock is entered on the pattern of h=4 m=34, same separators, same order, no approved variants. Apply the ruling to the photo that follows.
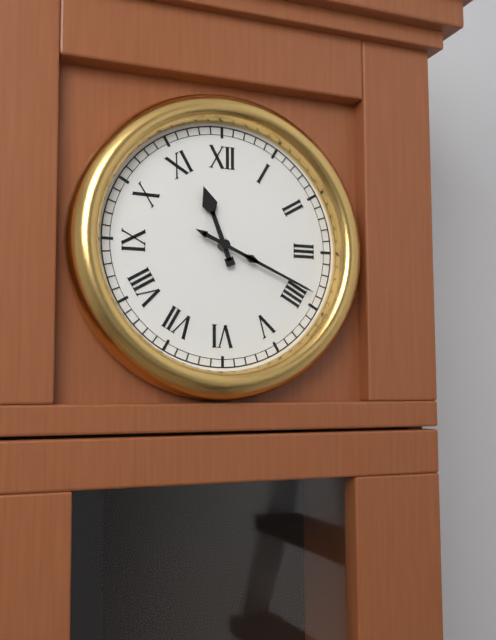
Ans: h=11 m=19
